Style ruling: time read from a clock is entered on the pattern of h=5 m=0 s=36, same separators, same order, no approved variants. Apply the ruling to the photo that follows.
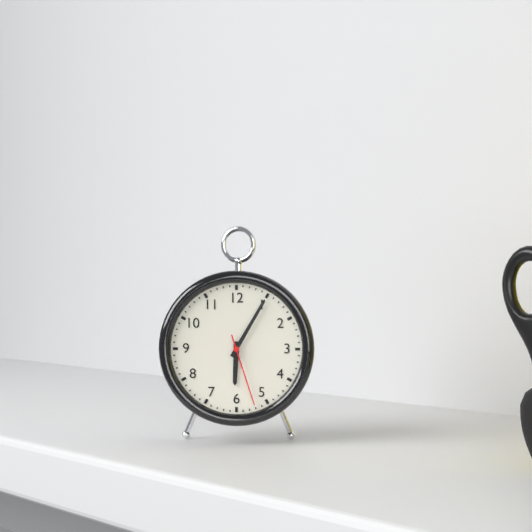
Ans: h=6 m=5 s=27
